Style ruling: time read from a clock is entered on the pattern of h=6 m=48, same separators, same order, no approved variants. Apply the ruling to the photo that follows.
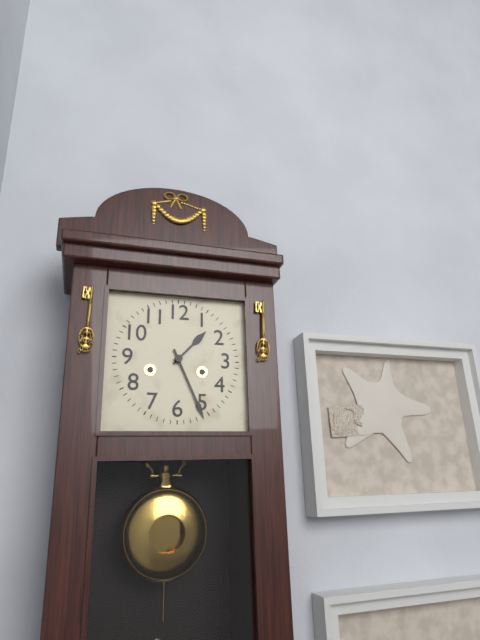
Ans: h=1 m=26
